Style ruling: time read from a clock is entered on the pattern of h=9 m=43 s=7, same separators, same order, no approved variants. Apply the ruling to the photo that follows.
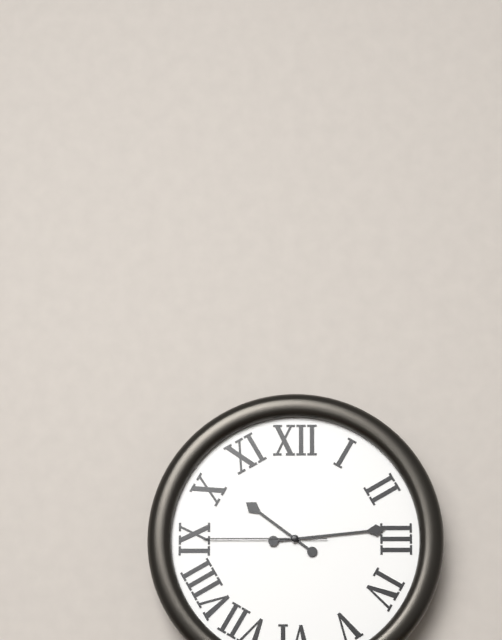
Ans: h=10 m=14 s=45
